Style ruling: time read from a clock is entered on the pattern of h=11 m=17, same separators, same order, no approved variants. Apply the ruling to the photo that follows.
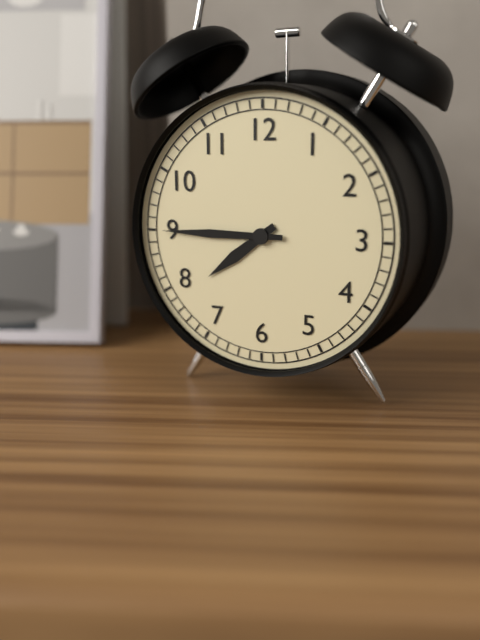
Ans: h=7 m=45
